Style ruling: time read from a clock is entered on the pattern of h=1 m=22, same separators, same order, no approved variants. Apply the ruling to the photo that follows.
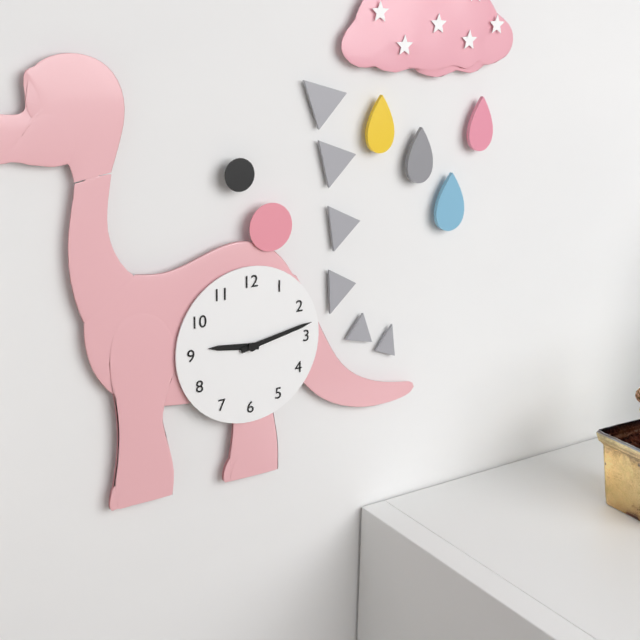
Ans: h=9 m=13
